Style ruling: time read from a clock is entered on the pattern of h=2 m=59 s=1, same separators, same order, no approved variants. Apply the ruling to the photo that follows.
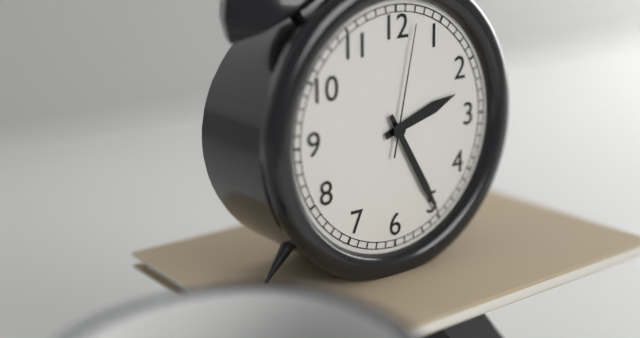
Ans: h=2 m=25 s=2
